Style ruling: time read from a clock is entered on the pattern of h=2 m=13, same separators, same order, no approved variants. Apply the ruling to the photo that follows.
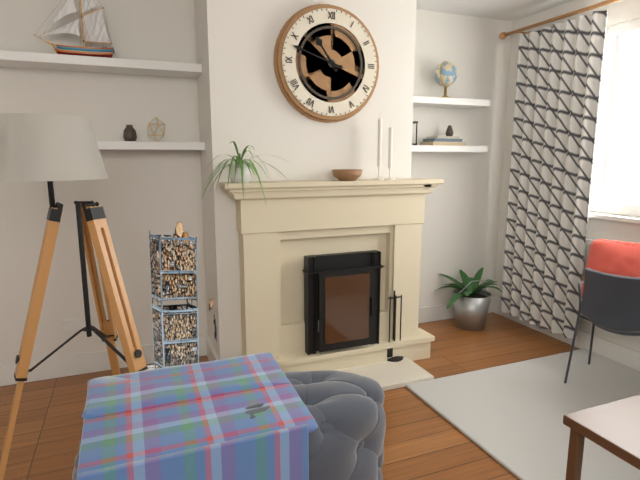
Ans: h=10 m=48
